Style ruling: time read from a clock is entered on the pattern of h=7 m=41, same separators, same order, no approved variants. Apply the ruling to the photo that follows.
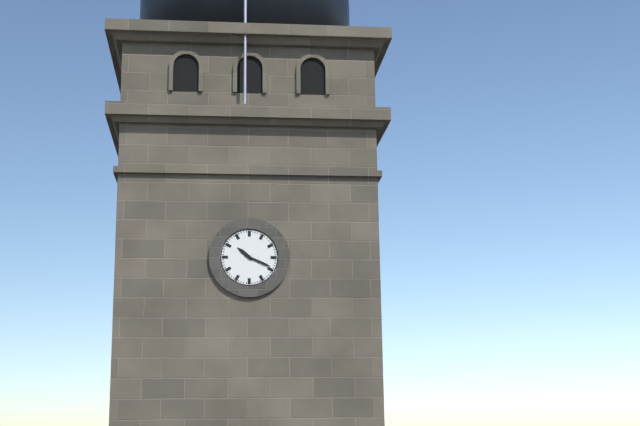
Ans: h=10 m=19
